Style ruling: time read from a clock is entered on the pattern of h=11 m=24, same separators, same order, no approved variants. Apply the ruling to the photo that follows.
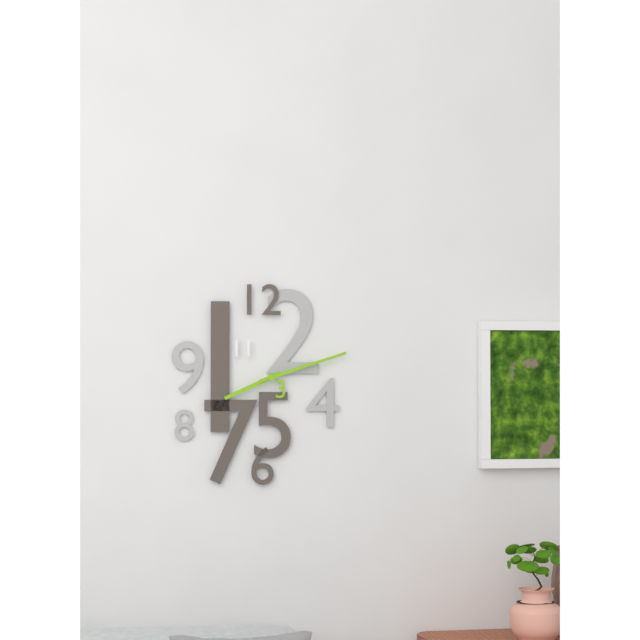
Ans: h=8 m=12
